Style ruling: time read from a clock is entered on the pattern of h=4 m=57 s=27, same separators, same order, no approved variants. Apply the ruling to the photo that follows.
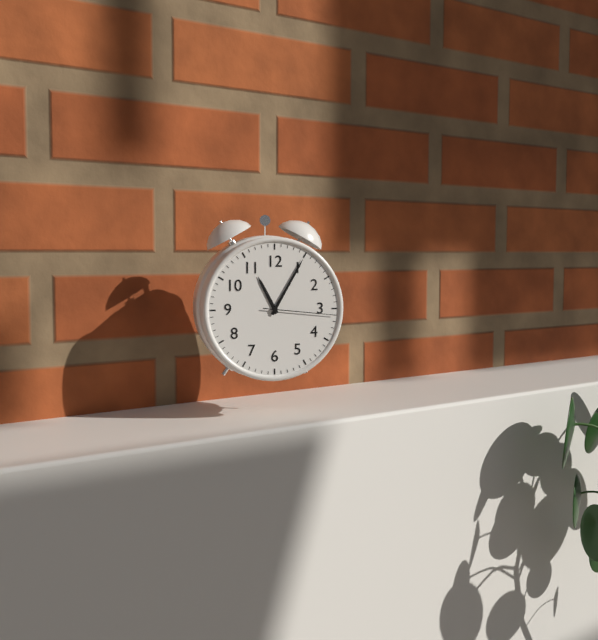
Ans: h=11 m=5 s=16
